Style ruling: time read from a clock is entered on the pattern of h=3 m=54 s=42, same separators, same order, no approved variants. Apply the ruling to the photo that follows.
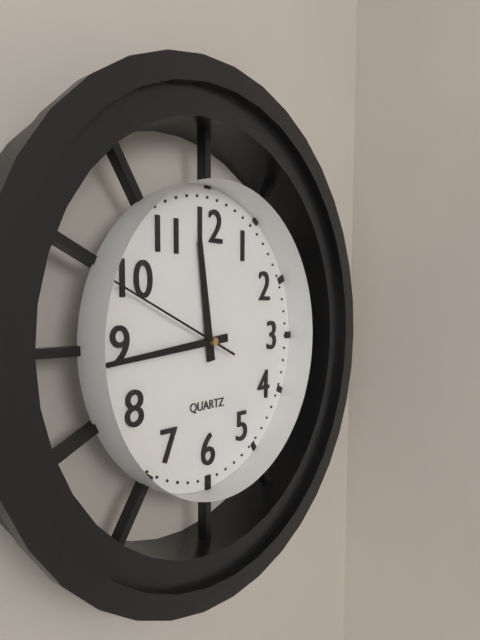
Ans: h=11 m=44 s=49
